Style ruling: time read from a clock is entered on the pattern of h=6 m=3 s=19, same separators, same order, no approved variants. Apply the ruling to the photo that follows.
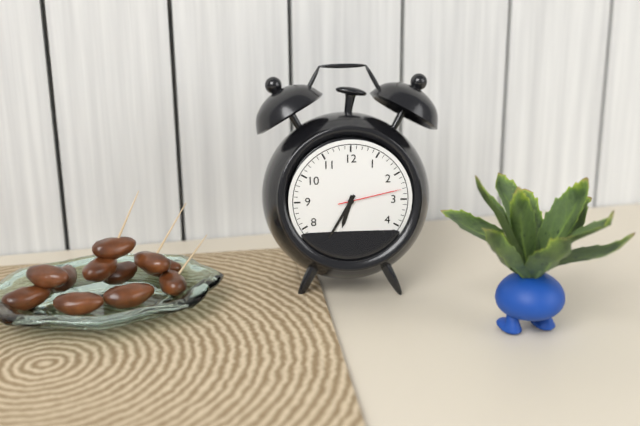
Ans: h=6 m=35 s=13
